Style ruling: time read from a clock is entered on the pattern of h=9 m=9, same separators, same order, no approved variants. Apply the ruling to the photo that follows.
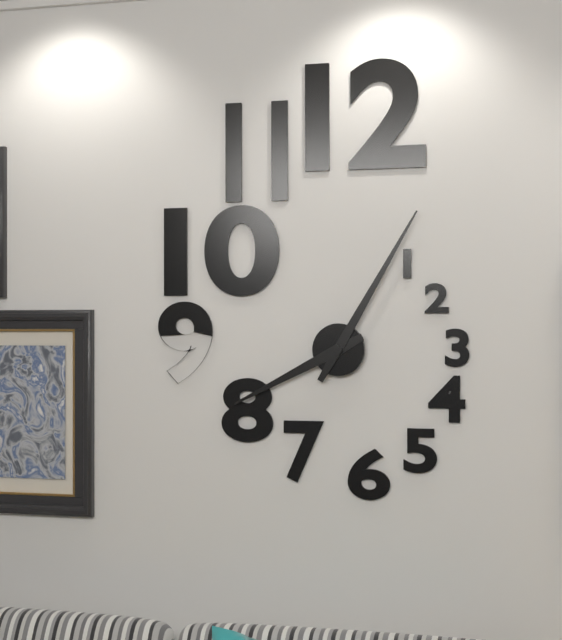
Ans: h=8 m=5
